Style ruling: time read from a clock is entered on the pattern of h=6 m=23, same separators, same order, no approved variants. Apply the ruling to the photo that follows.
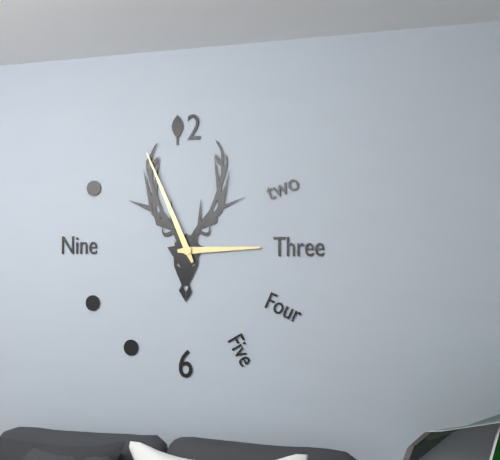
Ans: h=2 m=56
